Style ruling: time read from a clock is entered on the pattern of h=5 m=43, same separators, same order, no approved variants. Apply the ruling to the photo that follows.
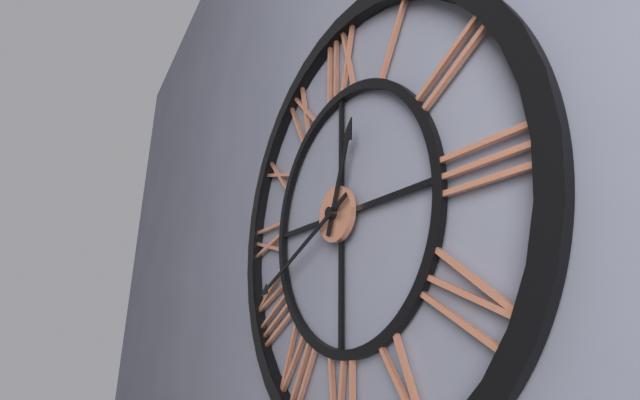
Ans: h=12 m=41
